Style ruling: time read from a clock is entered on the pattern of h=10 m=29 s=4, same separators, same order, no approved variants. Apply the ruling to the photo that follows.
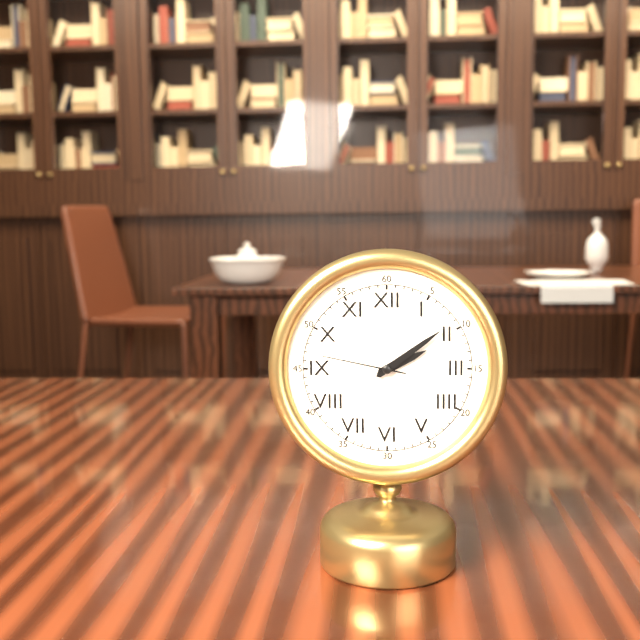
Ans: h=2 m=9 s=47
